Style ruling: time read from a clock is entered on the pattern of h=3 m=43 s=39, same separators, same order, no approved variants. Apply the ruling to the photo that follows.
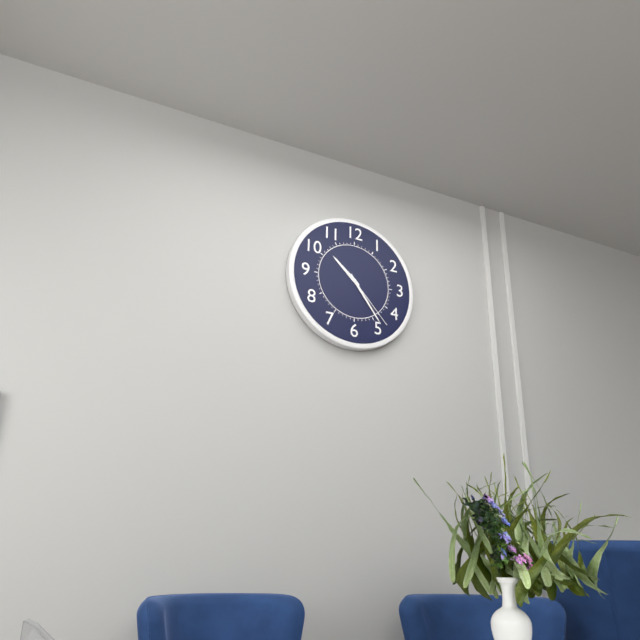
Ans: h=10 m=24 s=23
